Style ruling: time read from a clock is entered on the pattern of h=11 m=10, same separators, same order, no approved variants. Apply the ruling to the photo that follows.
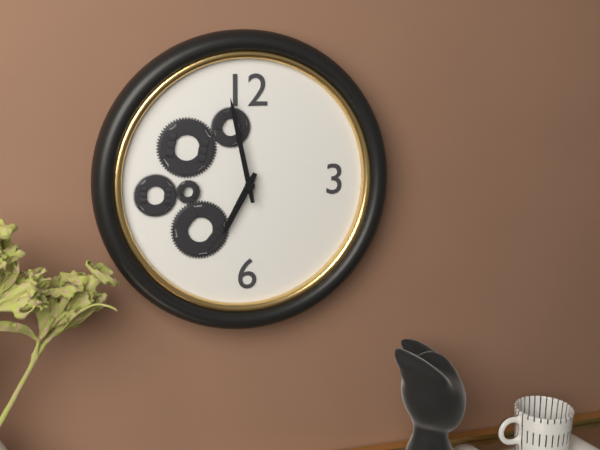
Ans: h=6 m=58
